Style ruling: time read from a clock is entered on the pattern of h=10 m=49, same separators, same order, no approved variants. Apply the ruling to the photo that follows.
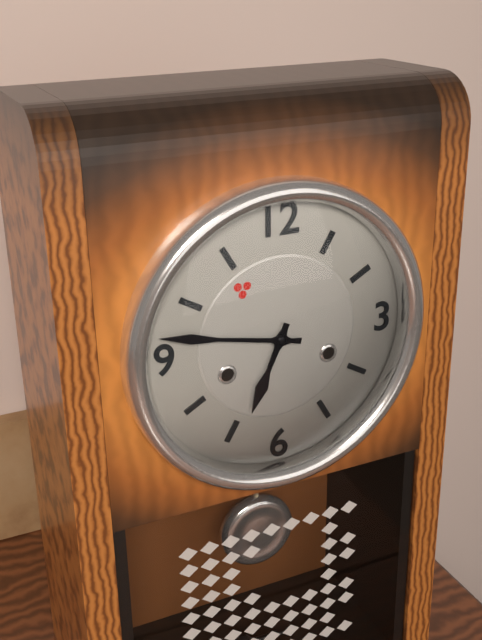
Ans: h=6 m=47
